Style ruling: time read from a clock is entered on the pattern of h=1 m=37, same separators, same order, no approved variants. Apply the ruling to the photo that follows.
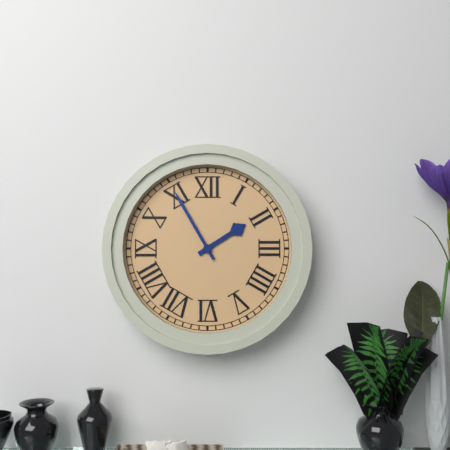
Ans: h=1 m=55
